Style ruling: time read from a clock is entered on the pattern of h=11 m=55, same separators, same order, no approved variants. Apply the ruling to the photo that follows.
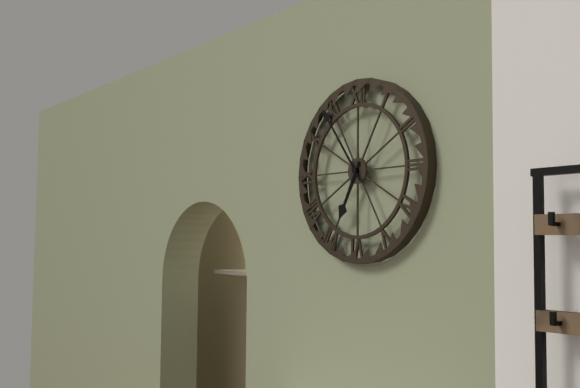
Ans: h=6 m=54
